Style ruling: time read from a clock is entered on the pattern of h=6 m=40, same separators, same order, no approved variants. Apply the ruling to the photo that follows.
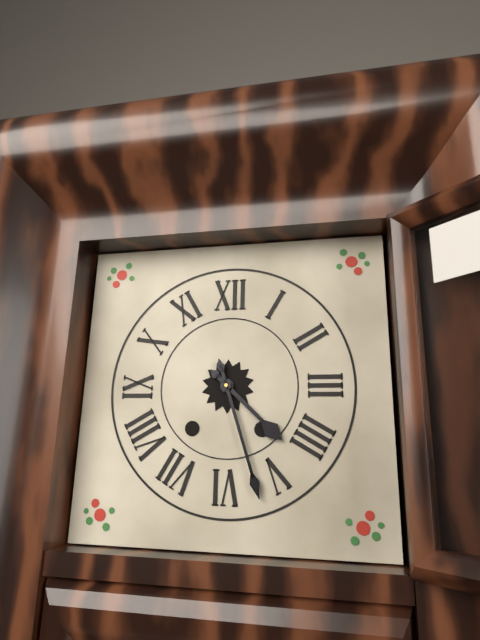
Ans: h=4 m=27
